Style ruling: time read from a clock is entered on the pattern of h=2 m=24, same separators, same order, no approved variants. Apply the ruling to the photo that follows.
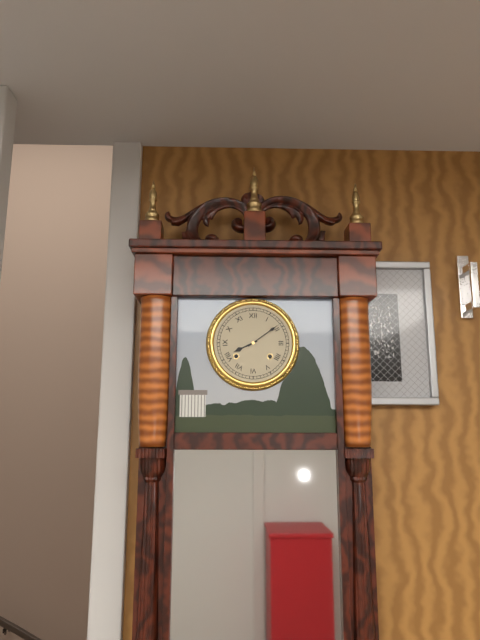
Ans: h=8 m=9
